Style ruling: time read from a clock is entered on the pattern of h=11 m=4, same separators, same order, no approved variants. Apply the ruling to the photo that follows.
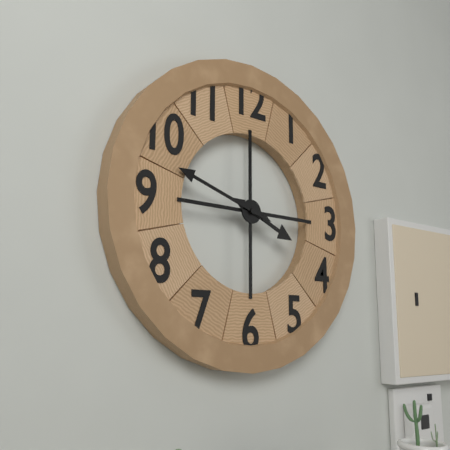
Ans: h=3 m=48
